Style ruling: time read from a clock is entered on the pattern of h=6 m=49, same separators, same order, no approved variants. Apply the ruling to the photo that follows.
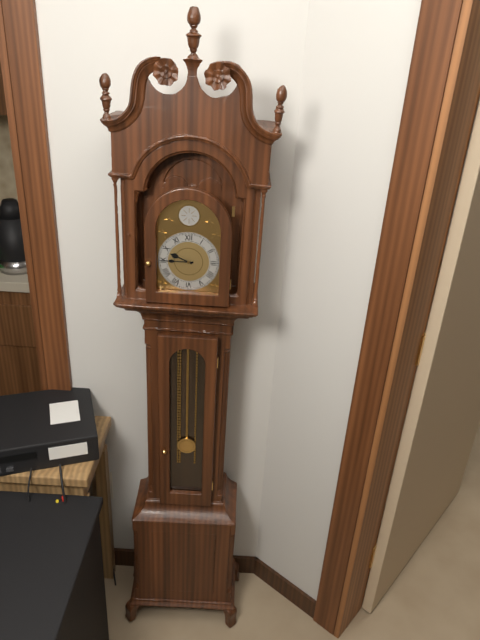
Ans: h=9 m=45
